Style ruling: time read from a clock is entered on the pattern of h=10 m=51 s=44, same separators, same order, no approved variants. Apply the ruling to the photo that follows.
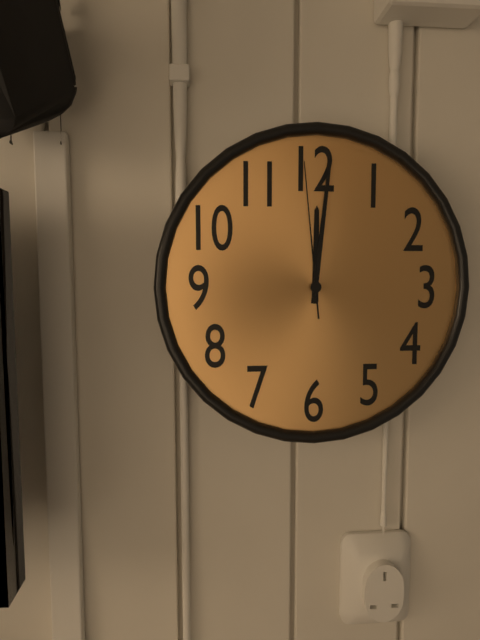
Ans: h=12 m=1 s=59
